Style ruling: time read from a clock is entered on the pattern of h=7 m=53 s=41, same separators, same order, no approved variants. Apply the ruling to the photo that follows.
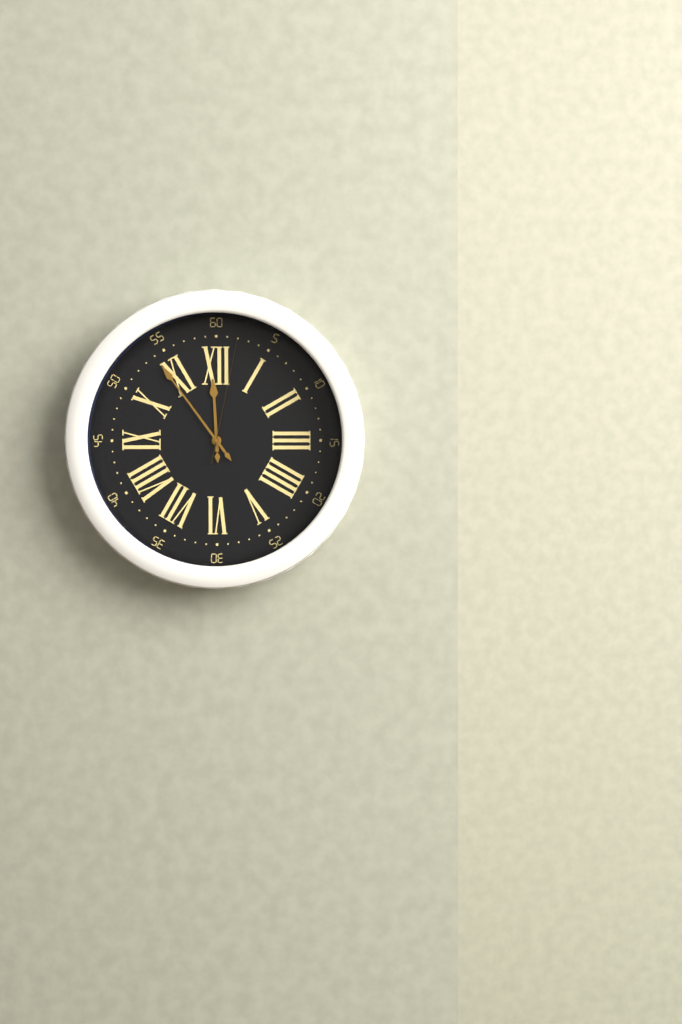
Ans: h=11 m=54 s=2
